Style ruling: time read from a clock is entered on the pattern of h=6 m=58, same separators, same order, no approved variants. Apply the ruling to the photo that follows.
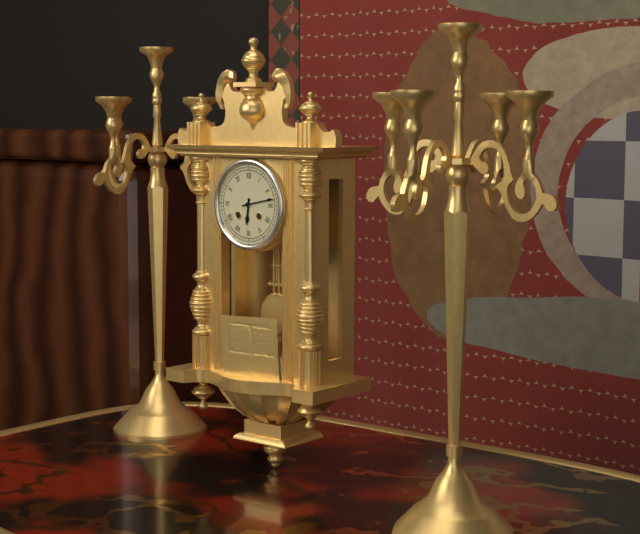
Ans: h=6 m=13
